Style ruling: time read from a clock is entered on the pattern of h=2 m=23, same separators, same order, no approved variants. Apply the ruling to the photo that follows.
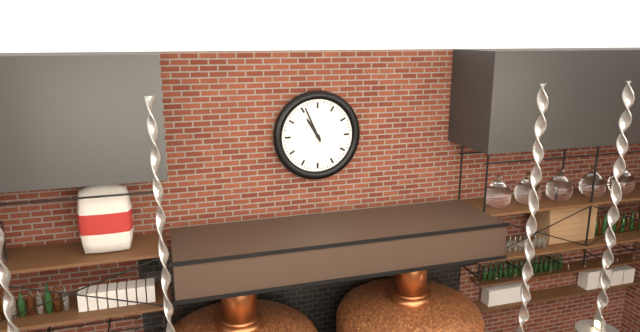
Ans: h=10 m=56
